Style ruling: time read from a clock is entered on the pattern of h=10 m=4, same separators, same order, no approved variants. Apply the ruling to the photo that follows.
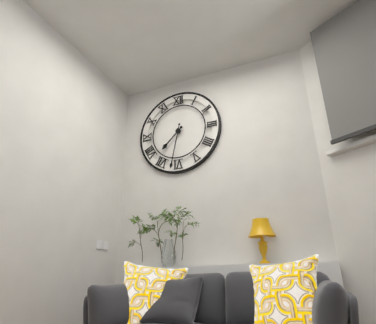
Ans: h=7 m=32
